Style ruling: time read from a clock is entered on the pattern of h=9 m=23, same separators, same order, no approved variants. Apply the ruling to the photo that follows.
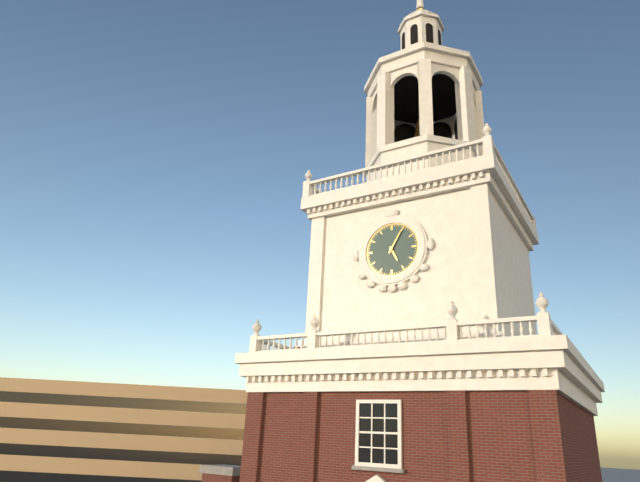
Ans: h=5 m=5
